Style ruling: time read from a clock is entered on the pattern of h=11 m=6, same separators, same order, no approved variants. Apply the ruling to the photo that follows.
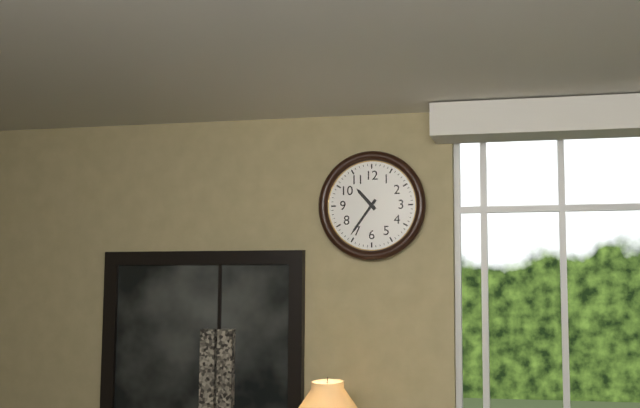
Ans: h=10 m=36
